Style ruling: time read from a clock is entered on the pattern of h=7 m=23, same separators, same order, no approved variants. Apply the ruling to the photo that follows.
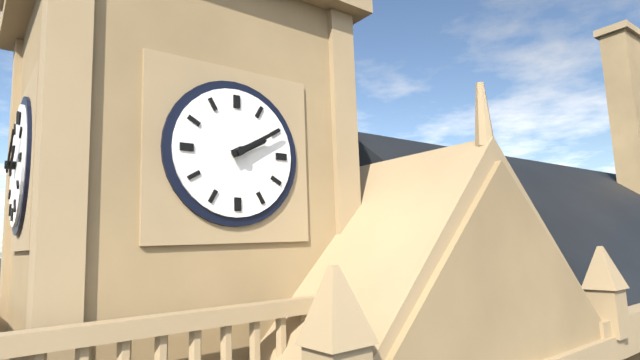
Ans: h=2 m=10
